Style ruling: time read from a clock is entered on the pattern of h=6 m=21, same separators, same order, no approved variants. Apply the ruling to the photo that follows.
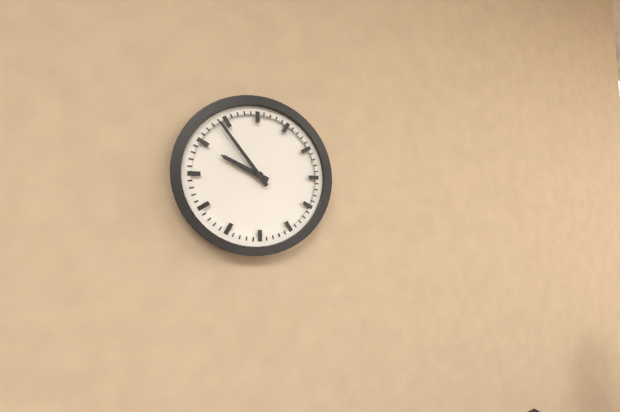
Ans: h=9 m=54
